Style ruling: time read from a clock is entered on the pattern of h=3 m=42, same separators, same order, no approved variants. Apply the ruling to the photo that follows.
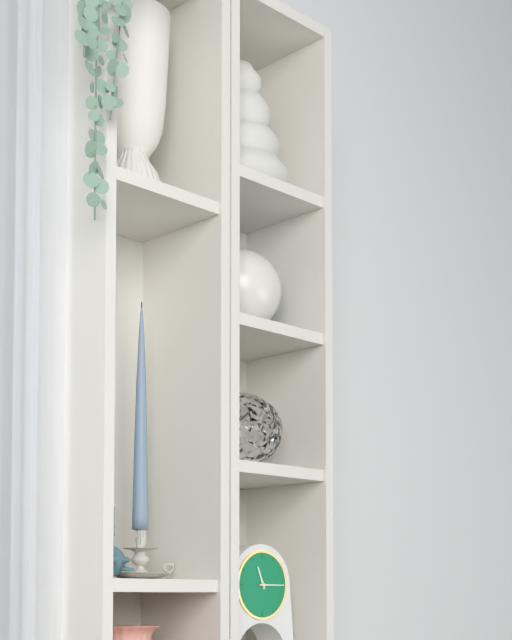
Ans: h=11 m=15
